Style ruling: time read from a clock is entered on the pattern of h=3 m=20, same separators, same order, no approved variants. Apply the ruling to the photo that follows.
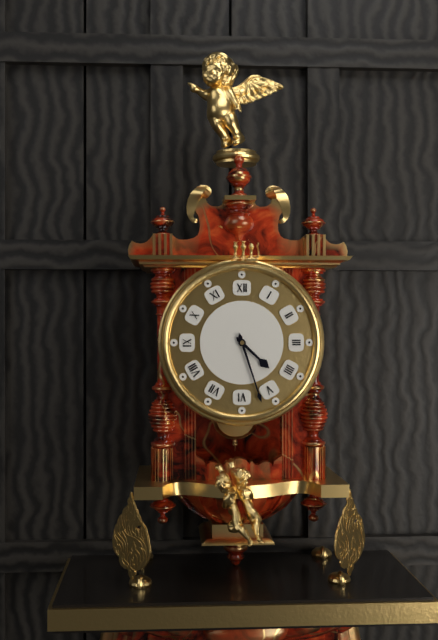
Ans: h=4 m=27
